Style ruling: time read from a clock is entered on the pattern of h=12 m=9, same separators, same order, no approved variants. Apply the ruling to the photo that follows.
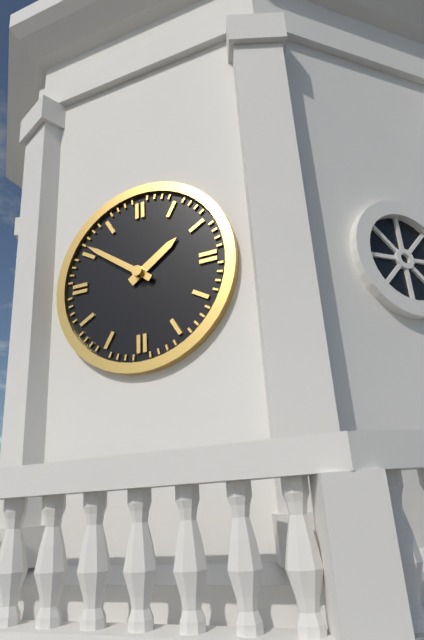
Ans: h=1 m=51
